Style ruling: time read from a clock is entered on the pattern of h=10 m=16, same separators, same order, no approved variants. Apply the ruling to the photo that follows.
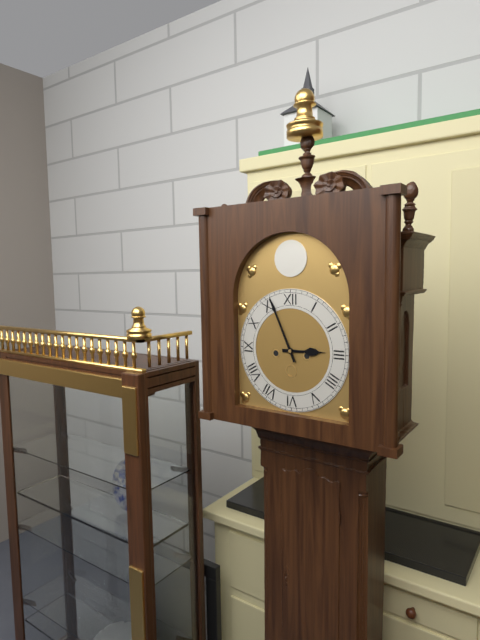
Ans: h=2 m=56
